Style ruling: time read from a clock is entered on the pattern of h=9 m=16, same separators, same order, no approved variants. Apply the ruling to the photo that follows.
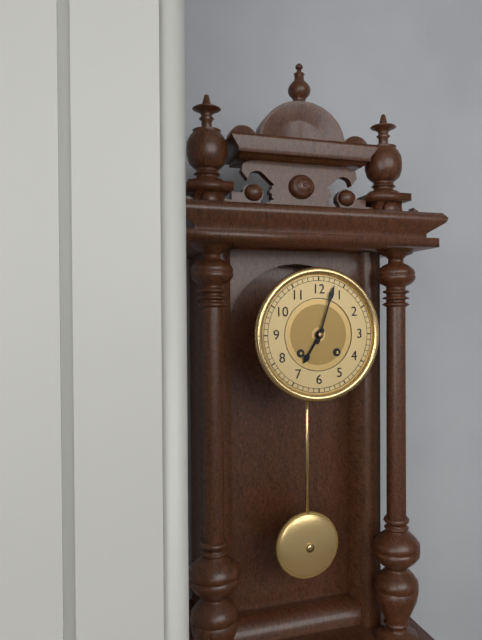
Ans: h=7 m=3
